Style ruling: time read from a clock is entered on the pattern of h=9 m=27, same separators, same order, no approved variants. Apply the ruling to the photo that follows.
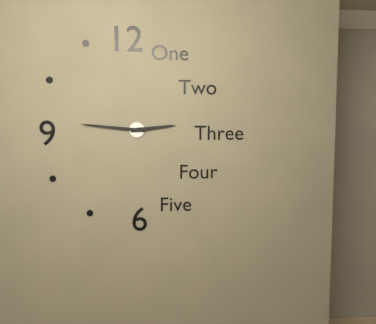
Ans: h=2 m=46
